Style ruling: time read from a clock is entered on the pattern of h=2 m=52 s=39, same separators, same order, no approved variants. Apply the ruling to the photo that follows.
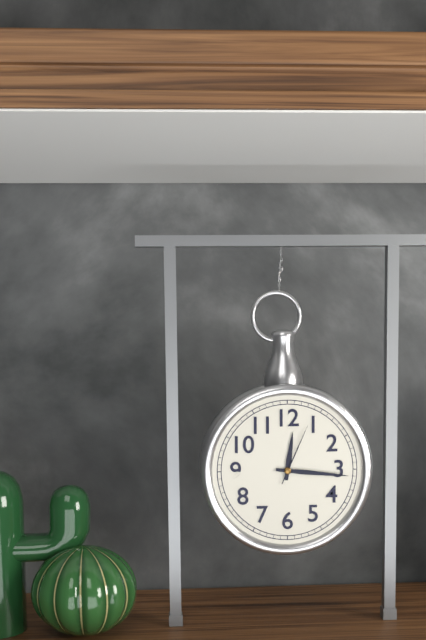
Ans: h=12 m=16 s=4
